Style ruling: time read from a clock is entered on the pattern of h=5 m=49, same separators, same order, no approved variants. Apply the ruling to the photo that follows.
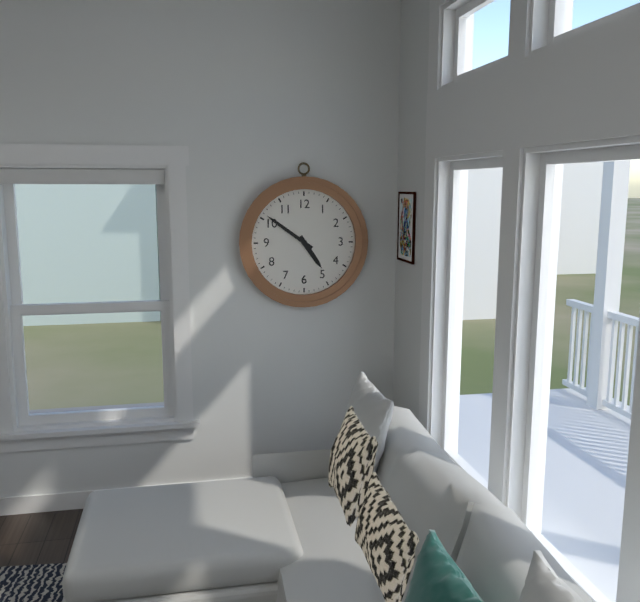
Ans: h=4 m=51
